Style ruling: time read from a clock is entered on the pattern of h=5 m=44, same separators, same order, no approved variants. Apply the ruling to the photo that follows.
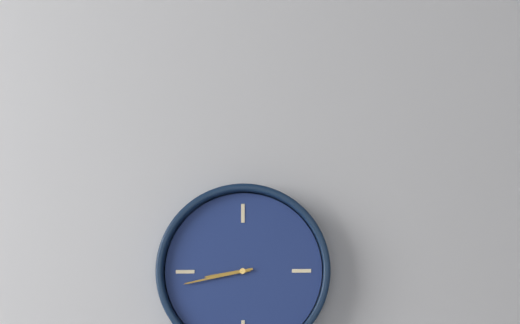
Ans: h=8 m=43
